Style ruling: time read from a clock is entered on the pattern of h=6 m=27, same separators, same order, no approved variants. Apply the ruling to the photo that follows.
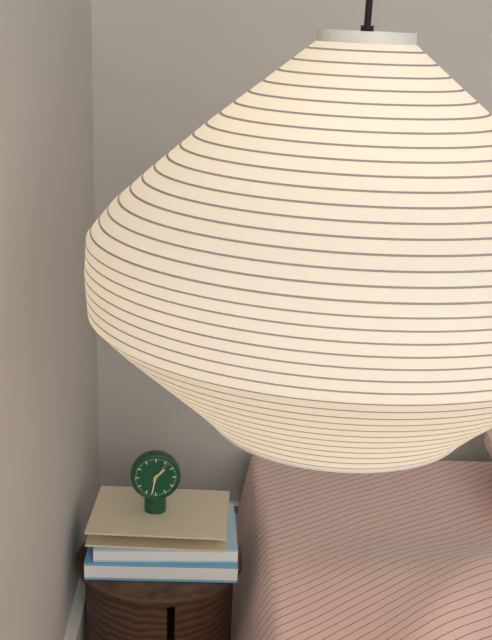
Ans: h=1 m=32
